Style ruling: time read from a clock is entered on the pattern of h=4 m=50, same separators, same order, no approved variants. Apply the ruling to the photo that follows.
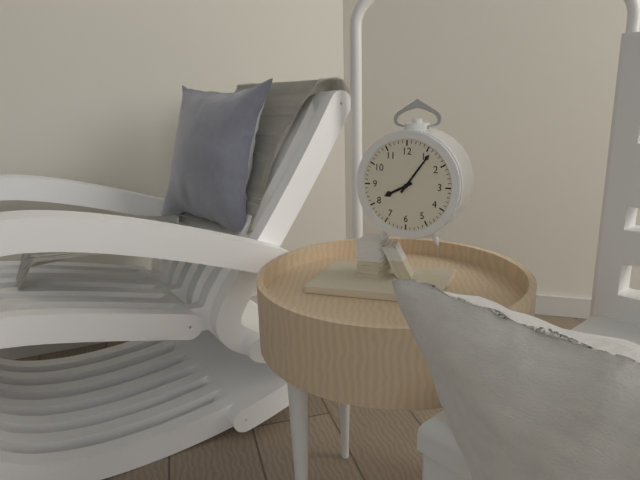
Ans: h=8 m=6
